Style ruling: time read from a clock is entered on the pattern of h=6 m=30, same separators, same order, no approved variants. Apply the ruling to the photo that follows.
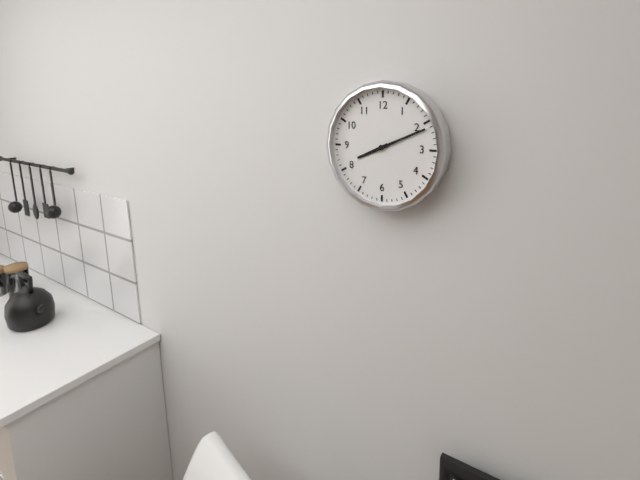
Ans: h=8 m=11
